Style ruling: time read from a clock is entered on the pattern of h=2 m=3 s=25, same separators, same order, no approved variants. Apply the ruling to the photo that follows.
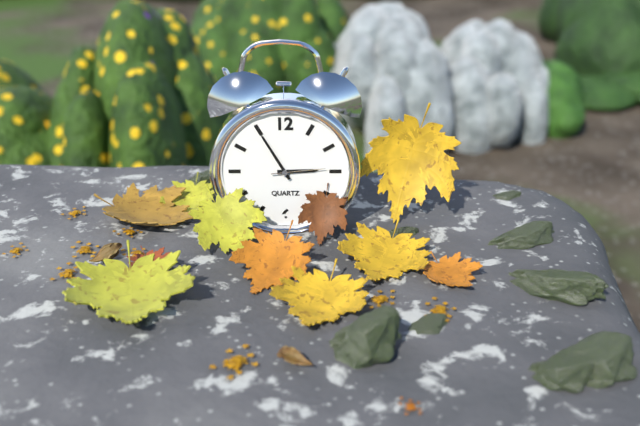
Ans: h=2 m=55 s=14
